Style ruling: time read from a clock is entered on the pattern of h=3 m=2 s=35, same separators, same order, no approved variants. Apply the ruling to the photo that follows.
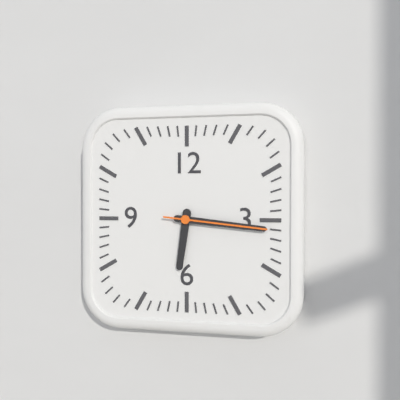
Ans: h=6 m=16 s=16
